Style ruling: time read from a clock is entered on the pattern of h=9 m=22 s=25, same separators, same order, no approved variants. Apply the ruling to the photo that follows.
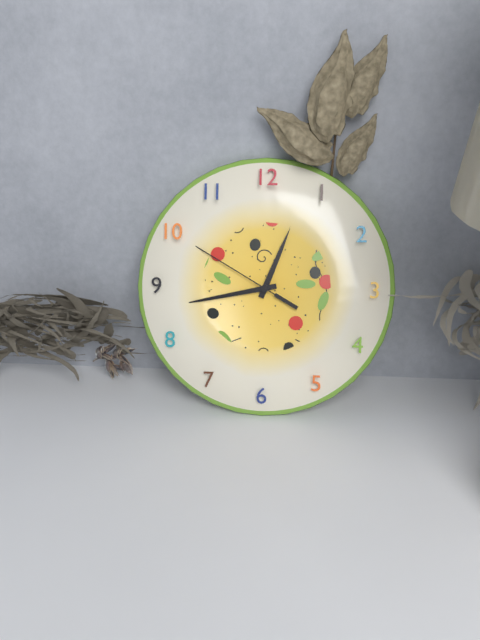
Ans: h=12 m=43 s=50
